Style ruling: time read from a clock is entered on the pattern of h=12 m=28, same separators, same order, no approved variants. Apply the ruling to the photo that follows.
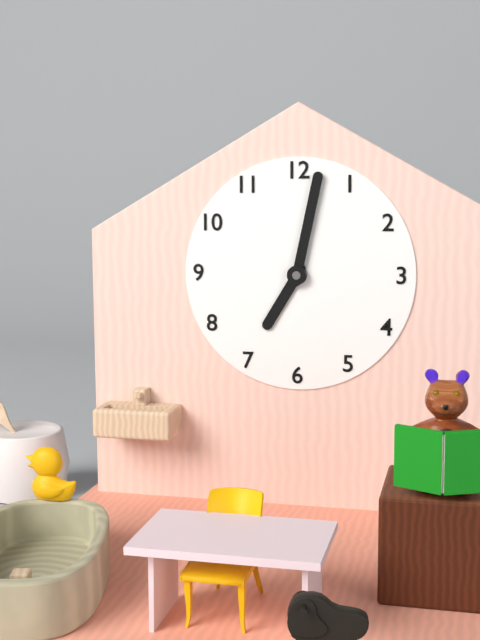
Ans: h=7 m=2
